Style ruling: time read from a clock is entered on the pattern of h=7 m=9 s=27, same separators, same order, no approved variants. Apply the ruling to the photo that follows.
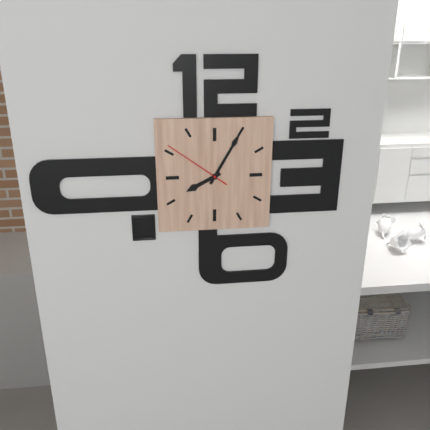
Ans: h=8 m=5 s=51
